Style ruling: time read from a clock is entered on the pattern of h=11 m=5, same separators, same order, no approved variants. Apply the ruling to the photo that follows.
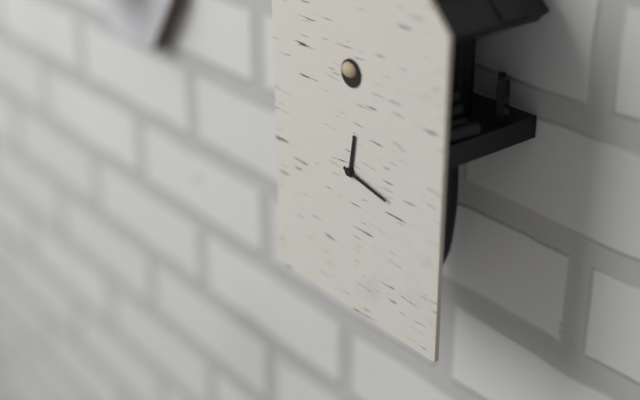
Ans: h=12 m=17
